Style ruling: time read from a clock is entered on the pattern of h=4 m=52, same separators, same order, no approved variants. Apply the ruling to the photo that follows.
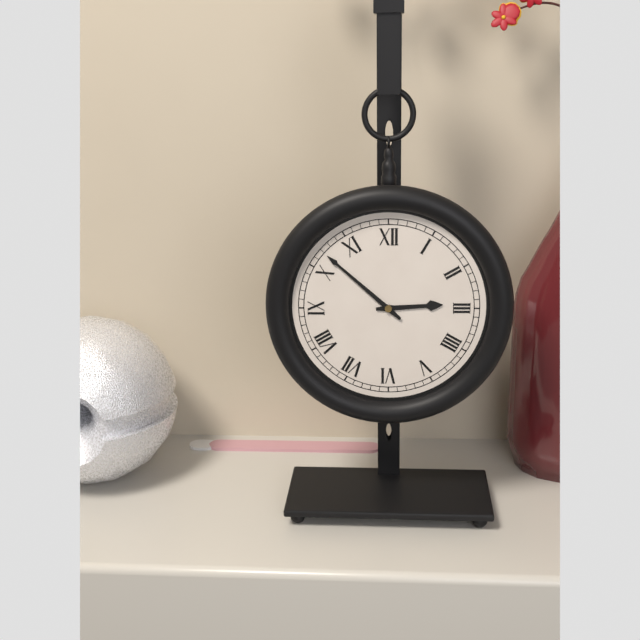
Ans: h=2 m=52
